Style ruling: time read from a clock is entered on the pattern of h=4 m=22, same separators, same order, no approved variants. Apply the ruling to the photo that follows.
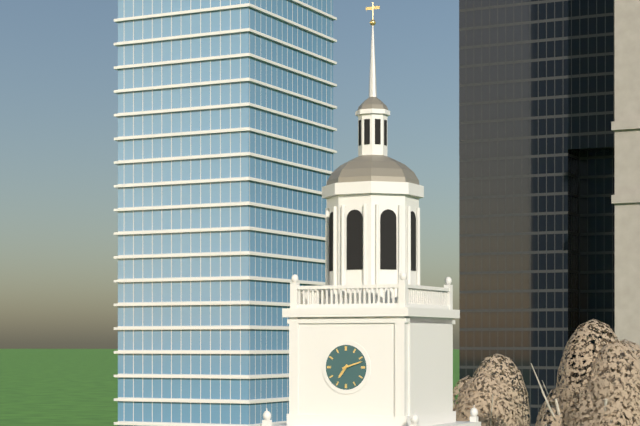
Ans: h=7 m=12
